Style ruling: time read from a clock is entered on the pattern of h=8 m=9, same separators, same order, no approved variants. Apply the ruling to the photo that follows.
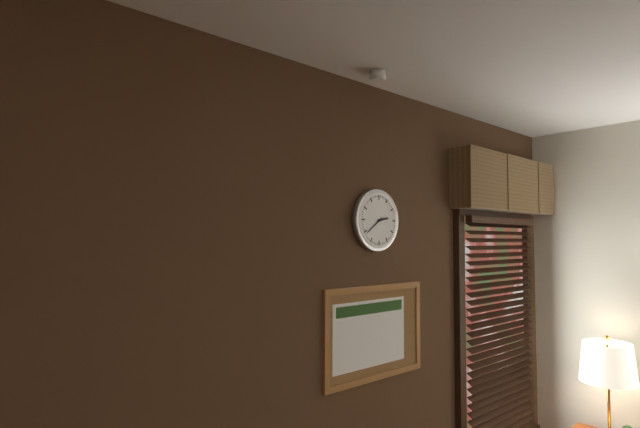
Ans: h=2 m=39
